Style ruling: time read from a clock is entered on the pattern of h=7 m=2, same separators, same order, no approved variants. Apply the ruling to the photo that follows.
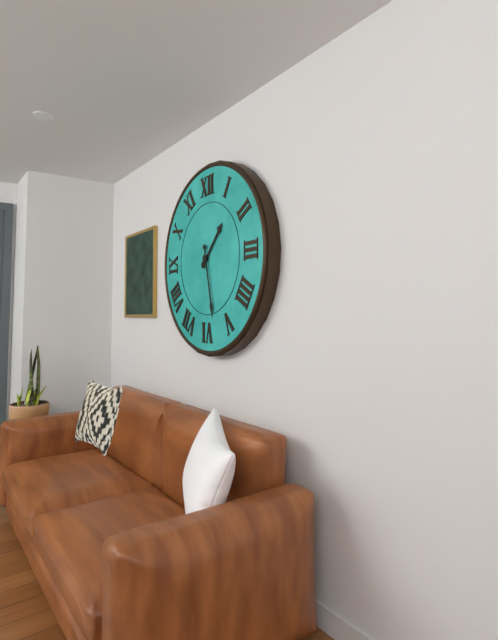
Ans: h=1 m=28
